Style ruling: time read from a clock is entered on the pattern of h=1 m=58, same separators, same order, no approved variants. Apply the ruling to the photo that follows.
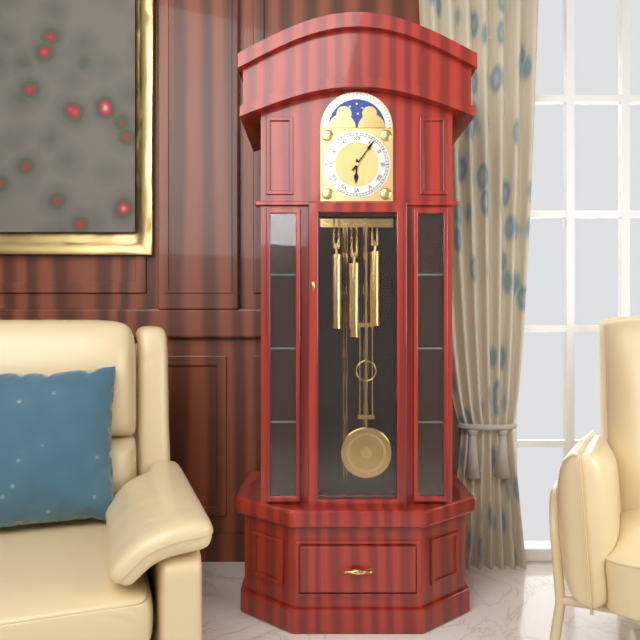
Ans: h=6 m=6
